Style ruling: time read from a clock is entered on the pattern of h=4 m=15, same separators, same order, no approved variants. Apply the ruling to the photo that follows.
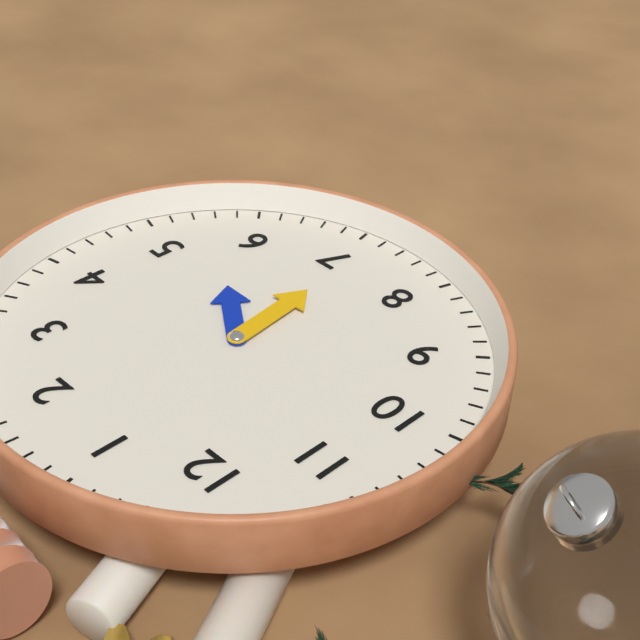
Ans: h=5 m=36
